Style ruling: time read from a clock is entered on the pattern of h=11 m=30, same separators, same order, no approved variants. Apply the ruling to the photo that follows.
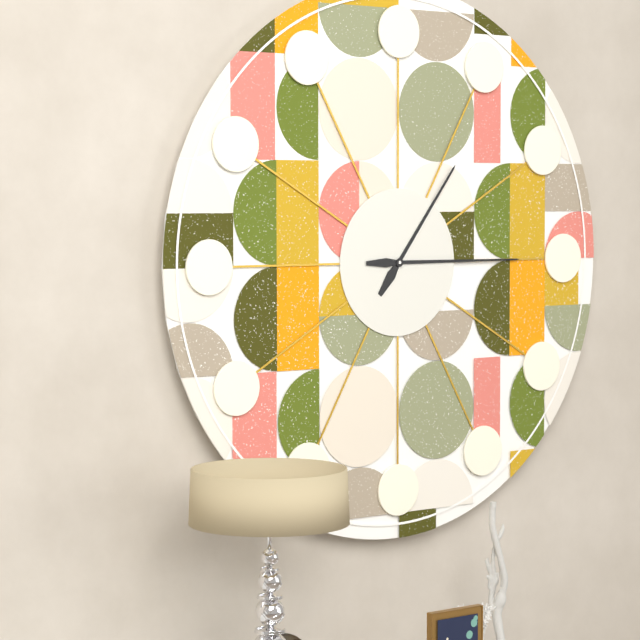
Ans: h=1 m=15
